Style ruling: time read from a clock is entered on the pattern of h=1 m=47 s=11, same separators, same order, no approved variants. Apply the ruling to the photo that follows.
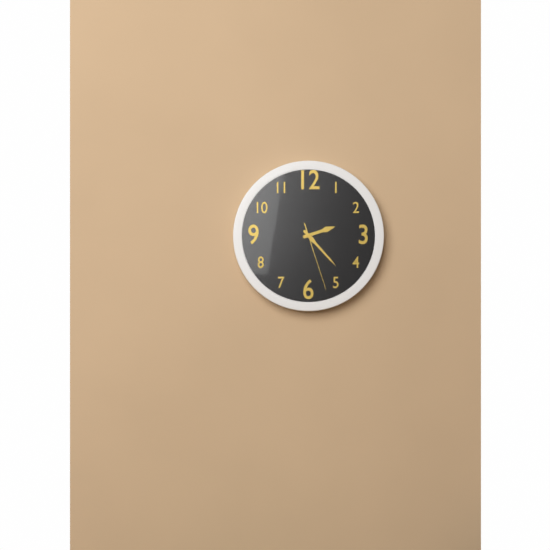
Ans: h=2 m=23 s=27
